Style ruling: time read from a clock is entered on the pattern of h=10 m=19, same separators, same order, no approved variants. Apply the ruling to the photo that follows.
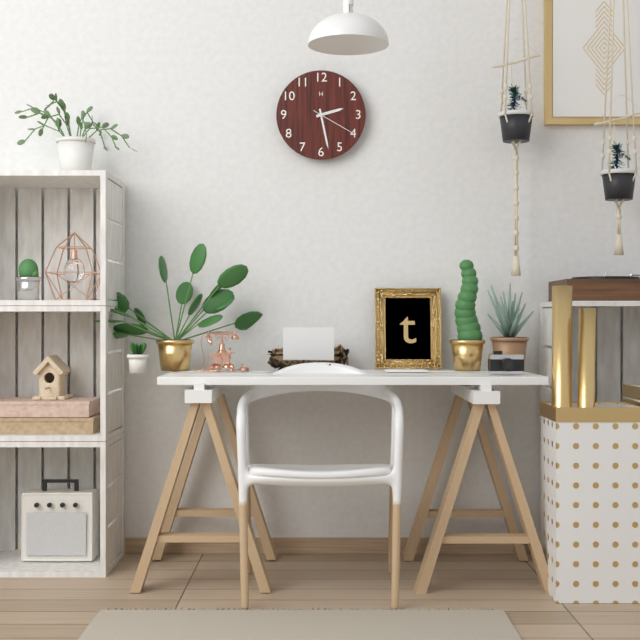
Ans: h=2 m=28
